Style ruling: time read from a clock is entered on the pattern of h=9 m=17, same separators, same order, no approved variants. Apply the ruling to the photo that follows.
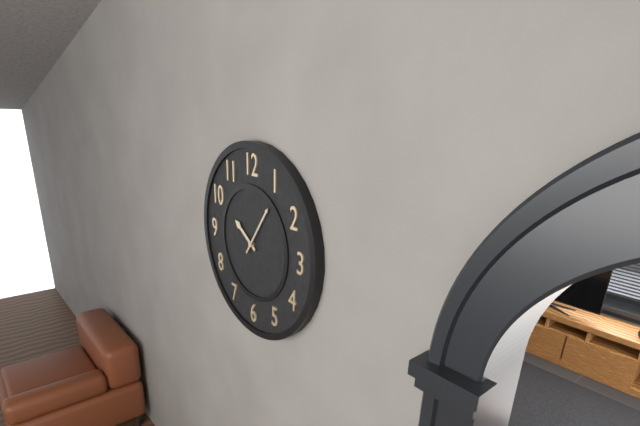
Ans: h=10 m=6
